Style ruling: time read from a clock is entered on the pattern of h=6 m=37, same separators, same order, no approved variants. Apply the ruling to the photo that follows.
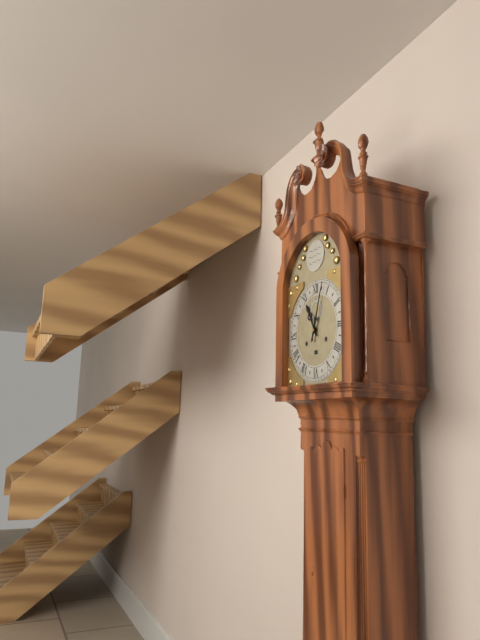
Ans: h=11 m=3
